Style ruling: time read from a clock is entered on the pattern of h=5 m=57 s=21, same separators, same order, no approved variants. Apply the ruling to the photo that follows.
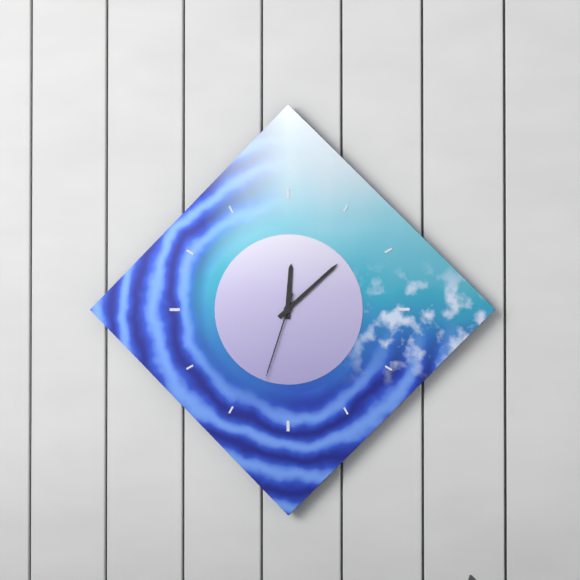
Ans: h=12 m=8 s=33
